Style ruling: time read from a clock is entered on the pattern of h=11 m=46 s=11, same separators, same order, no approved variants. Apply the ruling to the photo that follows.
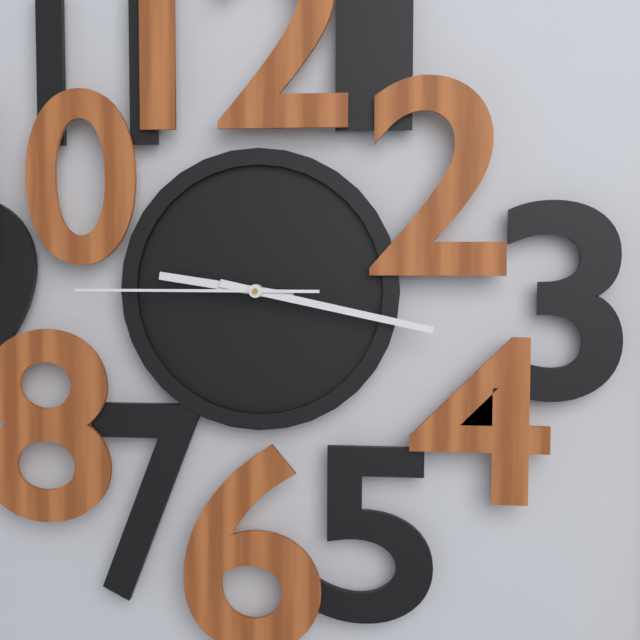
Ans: h=9 m=17 s=45
